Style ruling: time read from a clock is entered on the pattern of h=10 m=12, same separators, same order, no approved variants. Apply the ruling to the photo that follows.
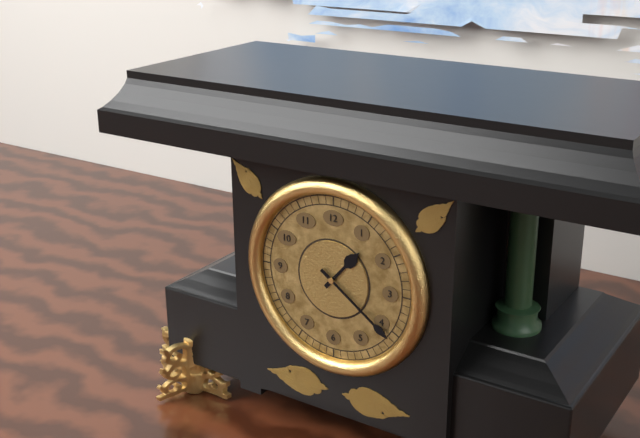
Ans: h=1 m=21
